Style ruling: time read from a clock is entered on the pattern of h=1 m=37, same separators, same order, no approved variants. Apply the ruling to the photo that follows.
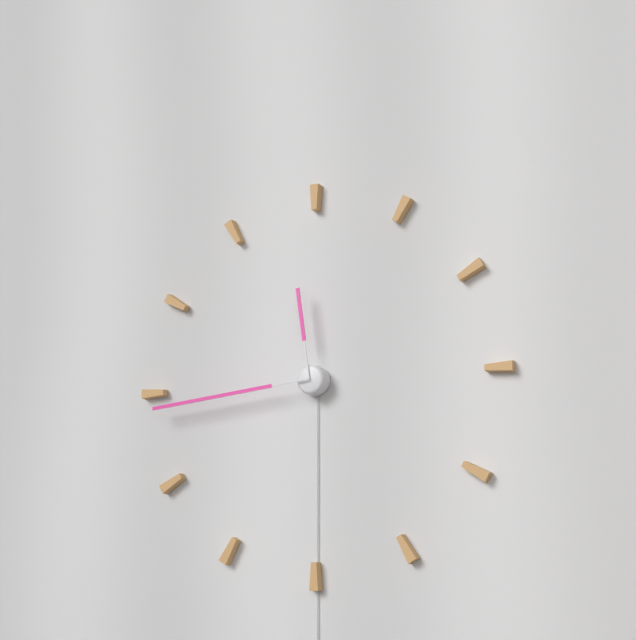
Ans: h=11 m=44
